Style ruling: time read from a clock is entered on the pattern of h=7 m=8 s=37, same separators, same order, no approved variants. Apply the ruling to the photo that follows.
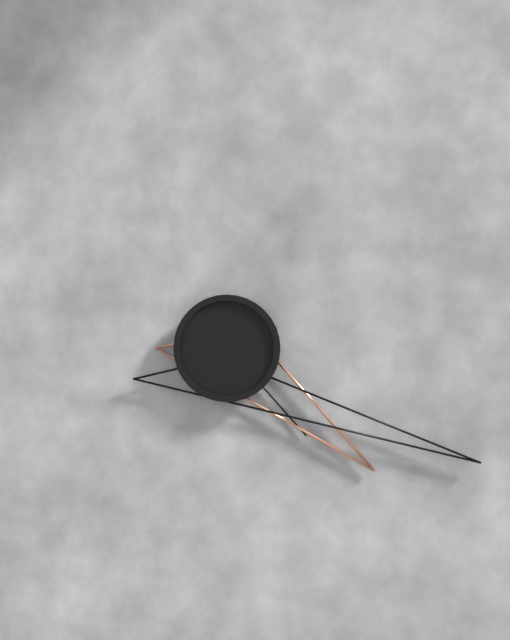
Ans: h=4 m=19 s=23
